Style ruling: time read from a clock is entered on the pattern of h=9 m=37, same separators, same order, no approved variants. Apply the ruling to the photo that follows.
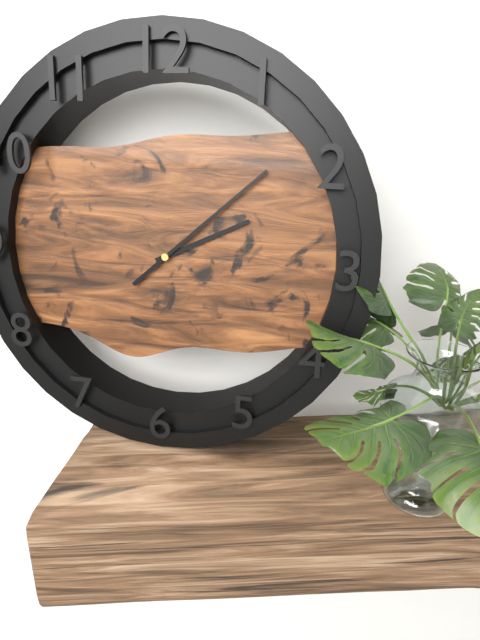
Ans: h=2 m=8
